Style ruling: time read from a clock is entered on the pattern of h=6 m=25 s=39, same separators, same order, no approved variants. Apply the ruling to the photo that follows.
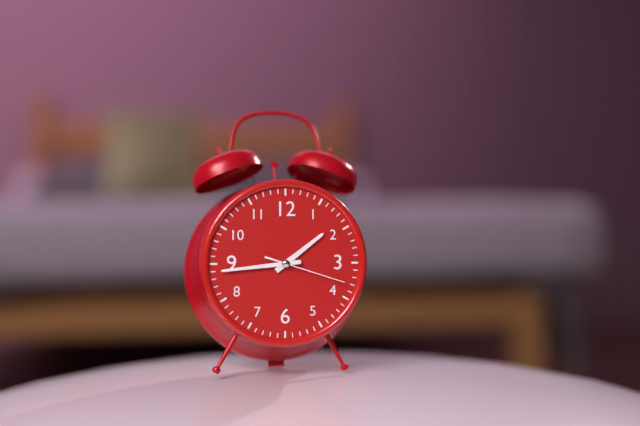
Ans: h=1 m=44 s=18
